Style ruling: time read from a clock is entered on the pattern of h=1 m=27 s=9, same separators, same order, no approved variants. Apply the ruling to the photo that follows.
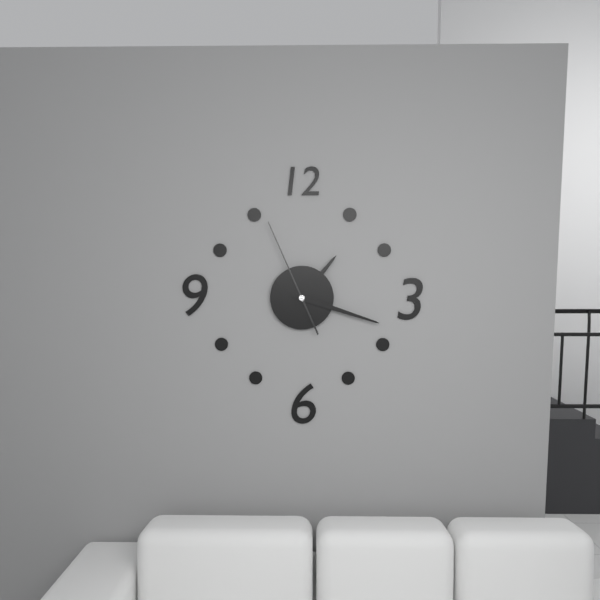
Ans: h=1 m=18 s=56
